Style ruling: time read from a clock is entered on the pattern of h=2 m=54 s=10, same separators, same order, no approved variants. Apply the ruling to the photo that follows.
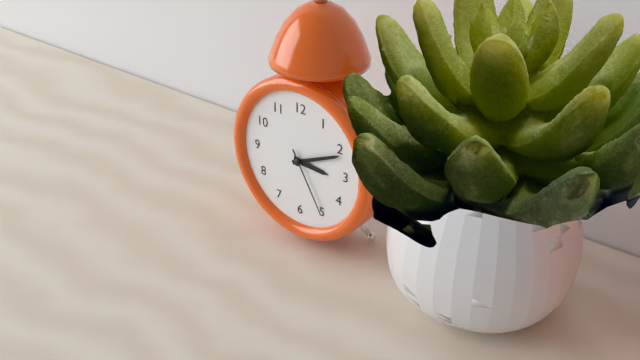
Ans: h=3 m=11 s=25
